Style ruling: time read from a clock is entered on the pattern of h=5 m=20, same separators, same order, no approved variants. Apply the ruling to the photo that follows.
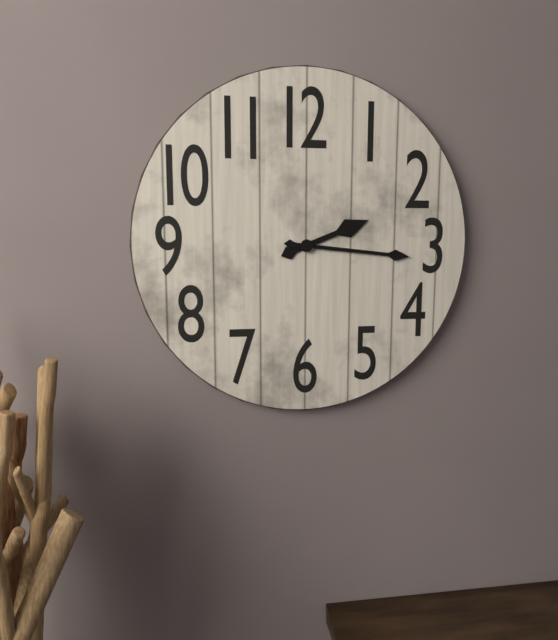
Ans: h=2 m=16
